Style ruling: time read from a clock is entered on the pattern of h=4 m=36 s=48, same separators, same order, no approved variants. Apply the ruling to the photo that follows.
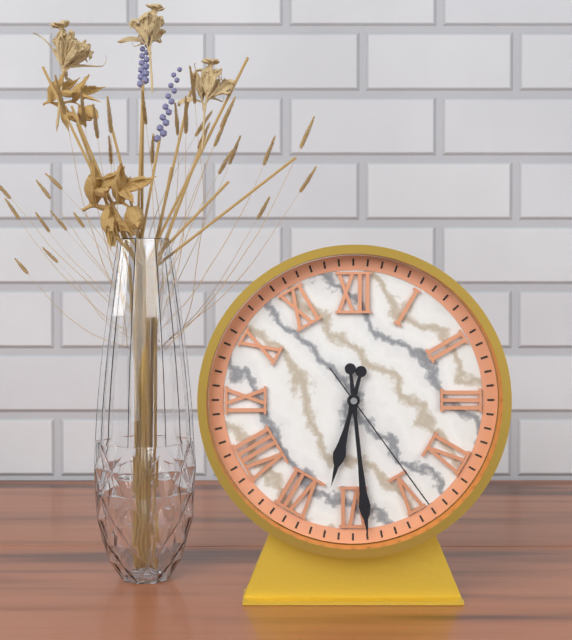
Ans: h=6 m=29 s=24
